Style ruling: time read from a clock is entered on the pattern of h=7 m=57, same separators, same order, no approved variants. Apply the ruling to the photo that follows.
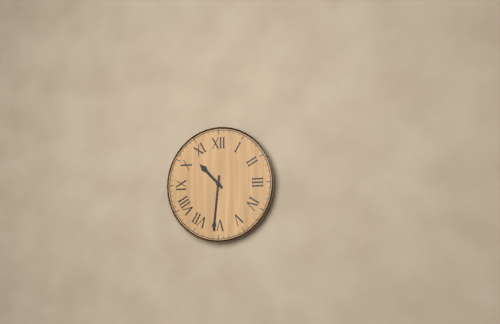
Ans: h=10 m=31
